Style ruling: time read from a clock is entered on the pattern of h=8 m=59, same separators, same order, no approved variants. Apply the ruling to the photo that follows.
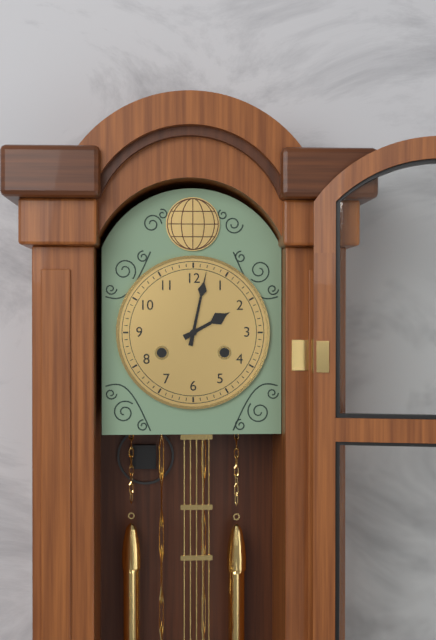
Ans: h=2 m=2
